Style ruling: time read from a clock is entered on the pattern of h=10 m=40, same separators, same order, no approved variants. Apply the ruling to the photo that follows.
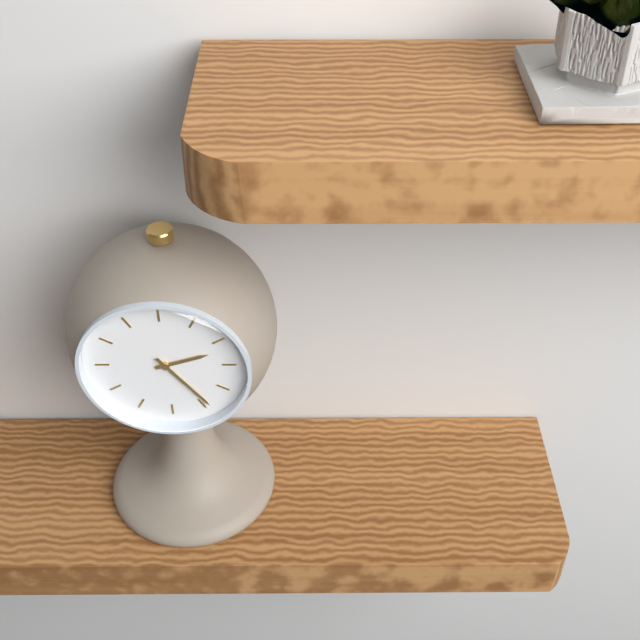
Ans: h=2 m=24
